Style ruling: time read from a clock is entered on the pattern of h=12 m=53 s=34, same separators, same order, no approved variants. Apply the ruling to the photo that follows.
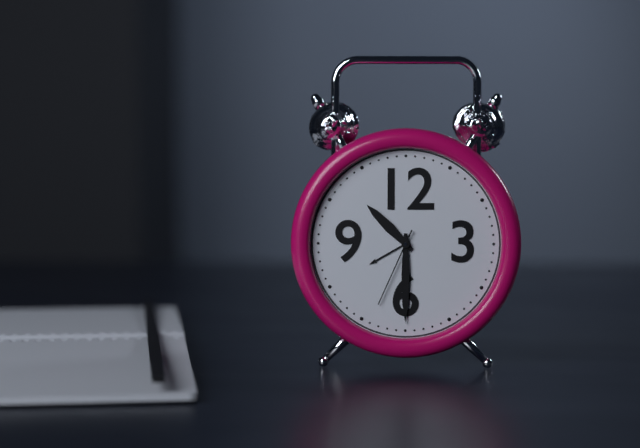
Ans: h=10 m=30 s=34
